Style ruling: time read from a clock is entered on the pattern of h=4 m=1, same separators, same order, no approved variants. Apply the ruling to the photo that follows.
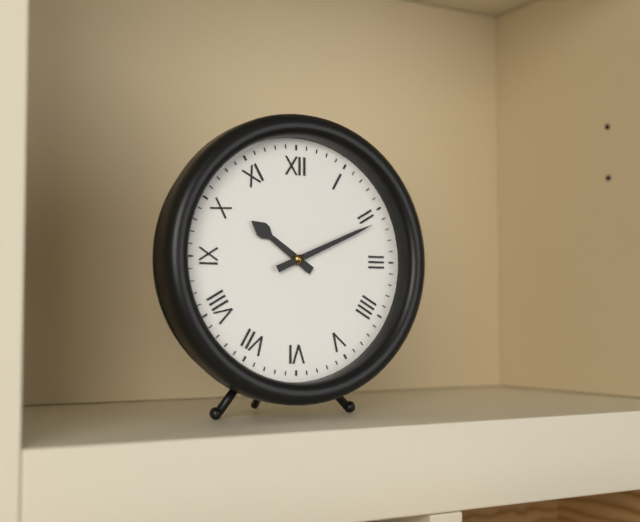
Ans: h=10 m=11
